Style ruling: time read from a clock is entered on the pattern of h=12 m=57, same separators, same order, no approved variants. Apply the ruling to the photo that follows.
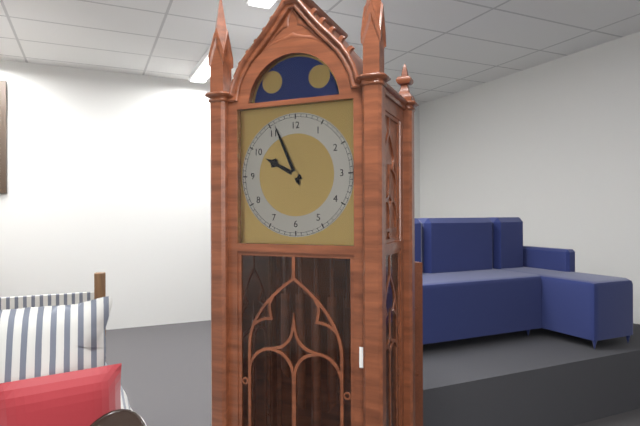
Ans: h=9 m=56
